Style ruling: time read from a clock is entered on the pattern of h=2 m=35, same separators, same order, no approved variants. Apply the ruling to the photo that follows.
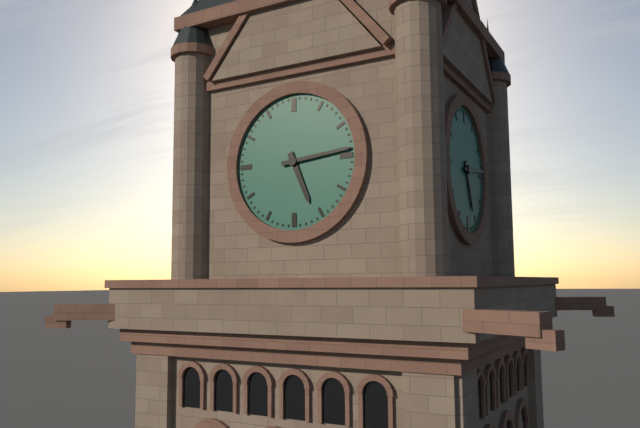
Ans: h=5 m=14
